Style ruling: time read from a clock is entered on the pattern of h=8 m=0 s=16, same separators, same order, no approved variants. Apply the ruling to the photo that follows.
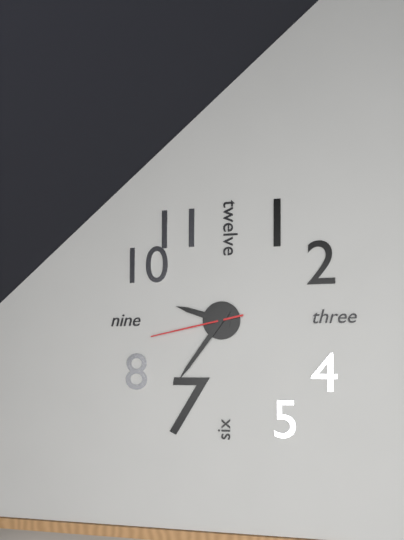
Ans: h=9 m=36 s=43
